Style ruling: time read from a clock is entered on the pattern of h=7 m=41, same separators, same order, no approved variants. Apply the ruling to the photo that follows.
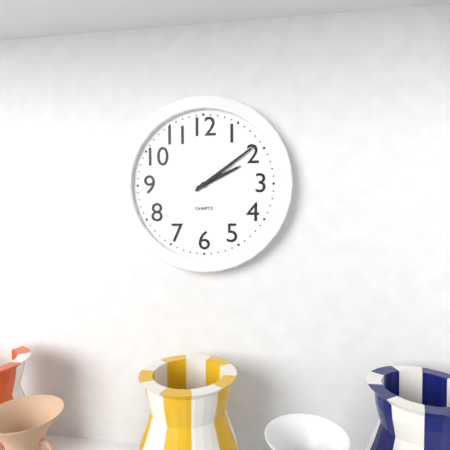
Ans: h=2 m=9
